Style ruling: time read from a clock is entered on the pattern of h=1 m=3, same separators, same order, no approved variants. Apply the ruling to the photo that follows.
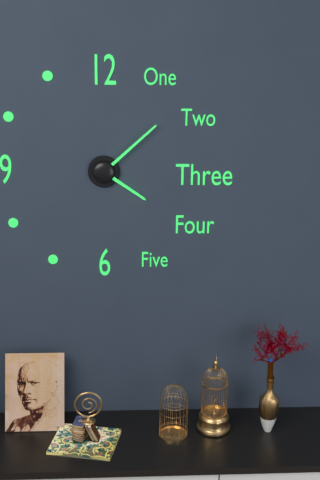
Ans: h=4 m=8
